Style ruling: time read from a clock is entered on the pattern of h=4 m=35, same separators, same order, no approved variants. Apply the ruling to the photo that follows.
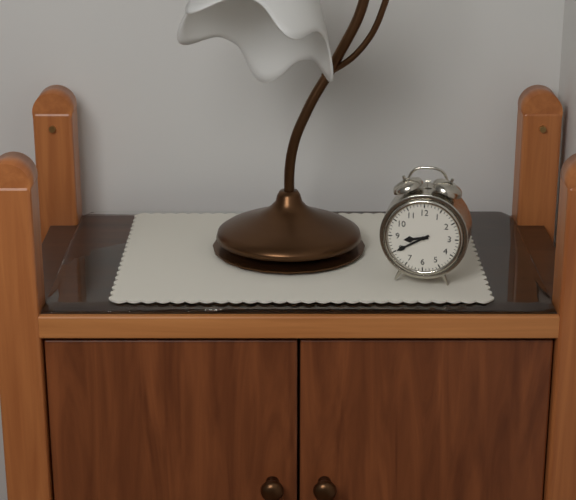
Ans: h=8 m=40
